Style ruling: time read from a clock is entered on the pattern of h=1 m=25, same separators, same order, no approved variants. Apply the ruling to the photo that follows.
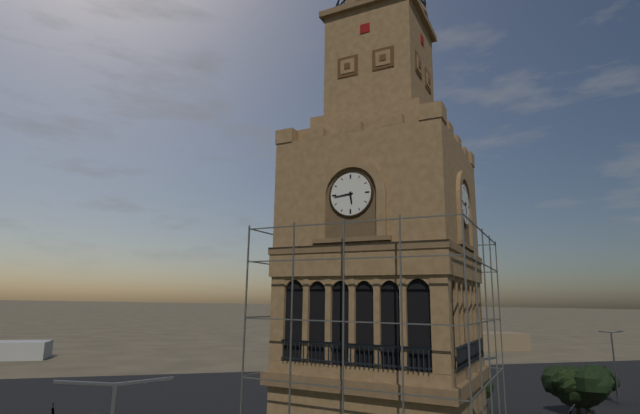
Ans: h=5 m=44
